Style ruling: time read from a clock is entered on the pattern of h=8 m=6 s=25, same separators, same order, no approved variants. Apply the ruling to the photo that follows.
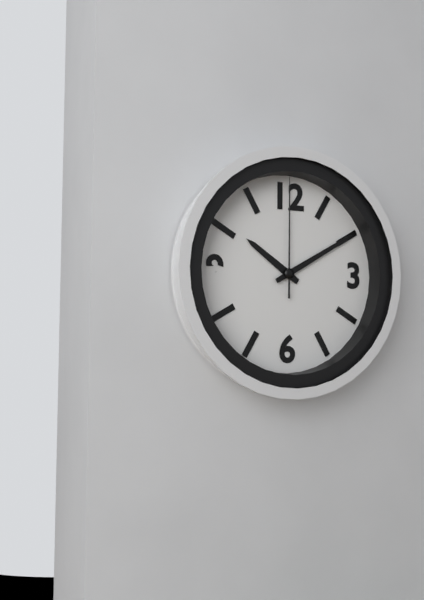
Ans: h=10 m=10 s=0
